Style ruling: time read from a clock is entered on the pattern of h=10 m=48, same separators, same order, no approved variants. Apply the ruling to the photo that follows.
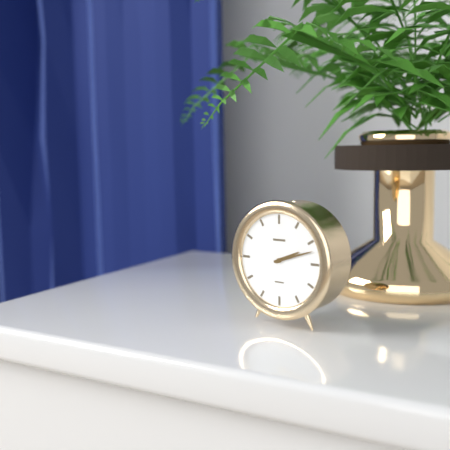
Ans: h=2 m=12
